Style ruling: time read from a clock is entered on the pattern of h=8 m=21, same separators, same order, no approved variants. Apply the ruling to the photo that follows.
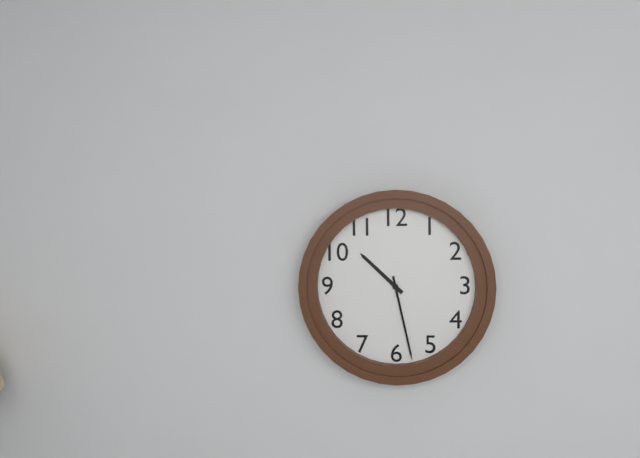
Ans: h=10 m=28
